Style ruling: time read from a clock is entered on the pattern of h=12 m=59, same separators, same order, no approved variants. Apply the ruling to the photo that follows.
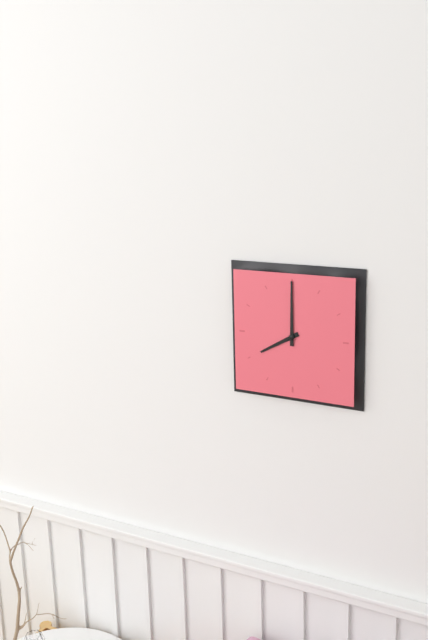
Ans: h=8 m=0
